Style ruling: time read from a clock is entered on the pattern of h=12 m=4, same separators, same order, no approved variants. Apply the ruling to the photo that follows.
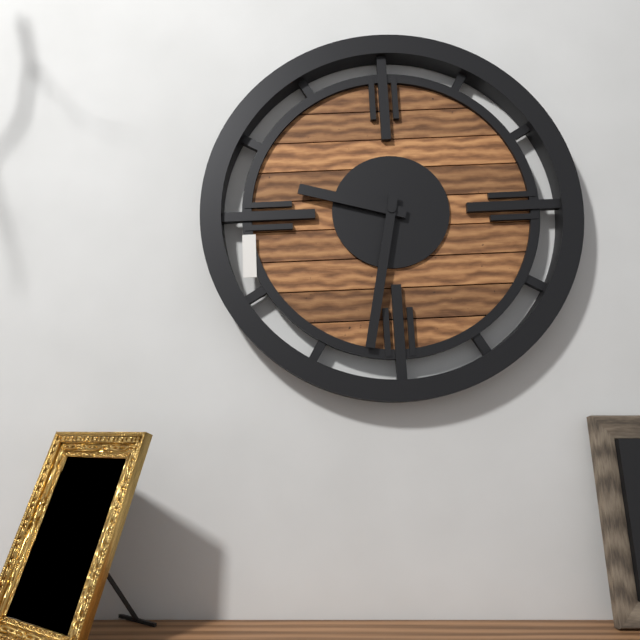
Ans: h=9 m=32
